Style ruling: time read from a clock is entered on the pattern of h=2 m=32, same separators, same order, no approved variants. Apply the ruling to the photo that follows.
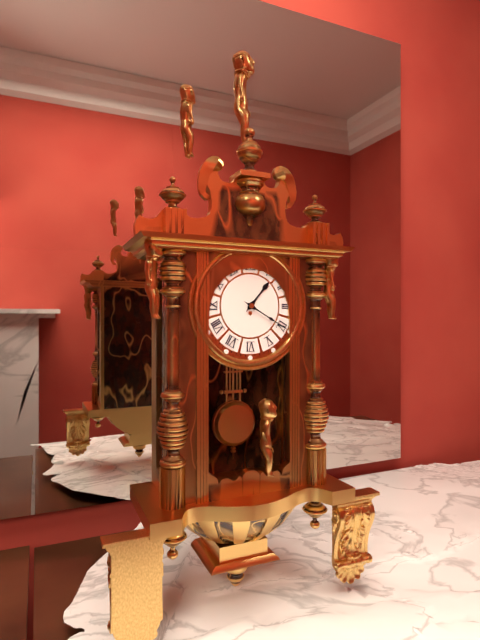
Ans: h=1 m=20
